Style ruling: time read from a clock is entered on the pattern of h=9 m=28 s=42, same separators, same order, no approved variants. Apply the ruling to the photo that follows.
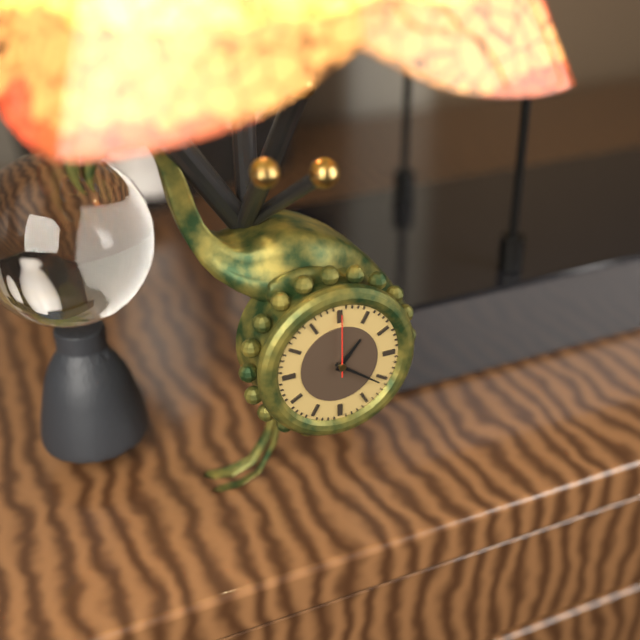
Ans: h=1 m=21 s=0
